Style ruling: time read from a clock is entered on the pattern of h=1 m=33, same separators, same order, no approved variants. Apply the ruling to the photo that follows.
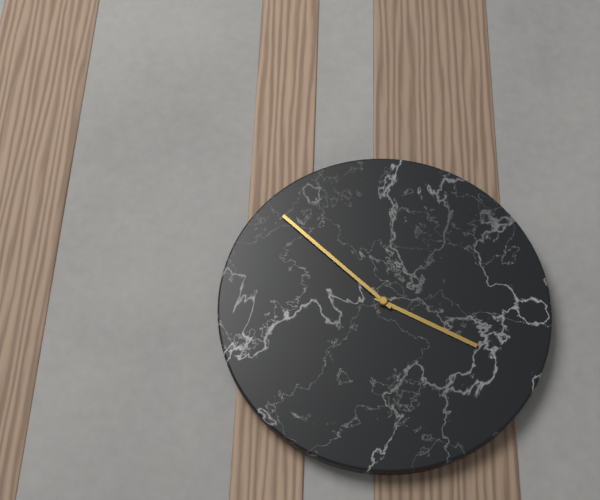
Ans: h=3 m=52
